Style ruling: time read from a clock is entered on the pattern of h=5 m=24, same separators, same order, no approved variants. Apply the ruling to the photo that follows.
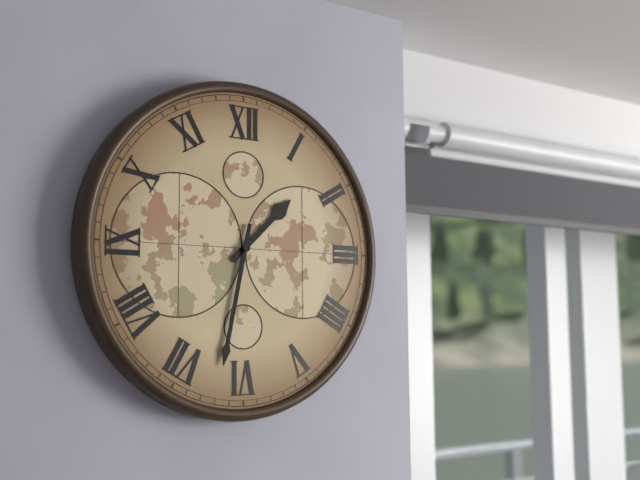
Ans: h=1 m=32
